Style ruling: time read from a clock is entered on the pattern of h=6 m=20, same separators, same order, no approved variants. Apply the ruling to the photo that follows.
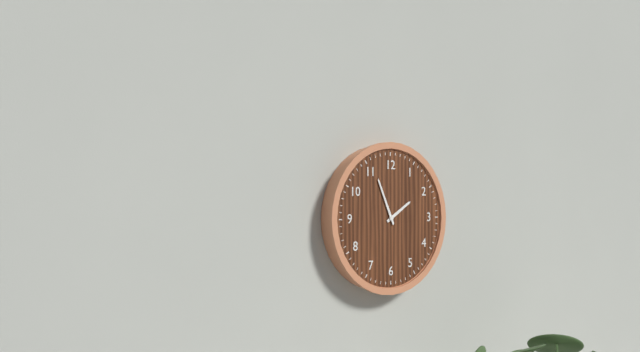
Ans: h=1 m=56
